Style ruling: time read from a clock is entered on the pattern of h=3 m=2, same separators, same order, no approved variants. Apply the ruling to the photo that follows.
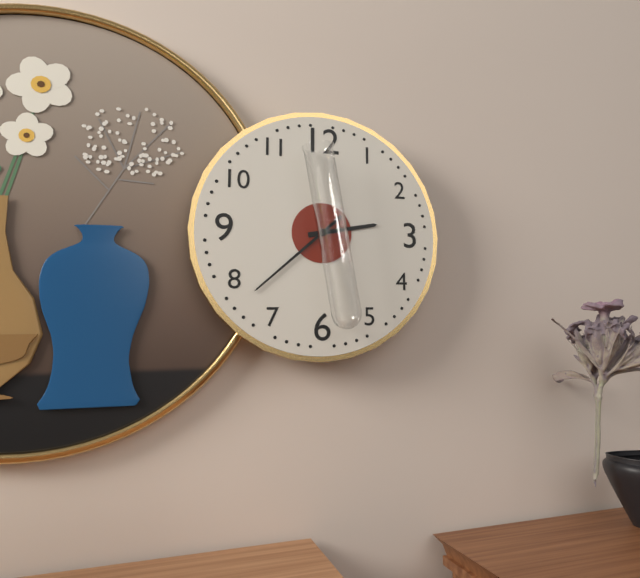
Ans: h=2 m=38
